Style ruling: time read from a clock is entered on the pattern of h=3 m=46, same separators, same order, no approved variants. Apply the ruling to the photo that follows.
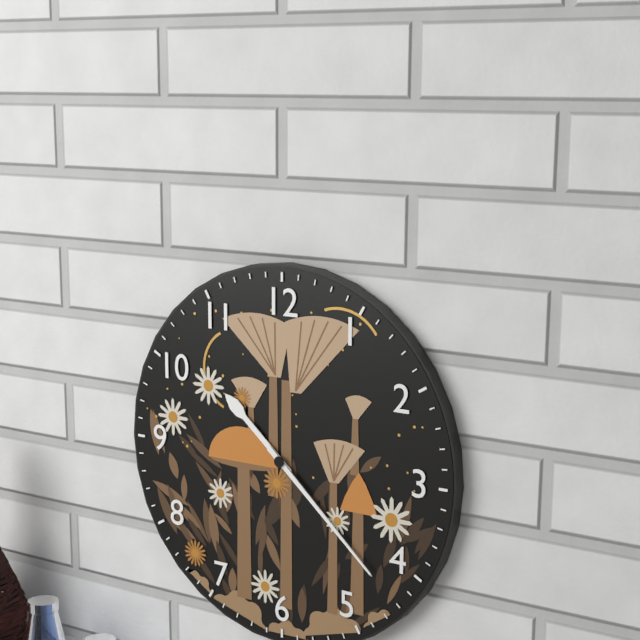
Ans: h=10 m=22
